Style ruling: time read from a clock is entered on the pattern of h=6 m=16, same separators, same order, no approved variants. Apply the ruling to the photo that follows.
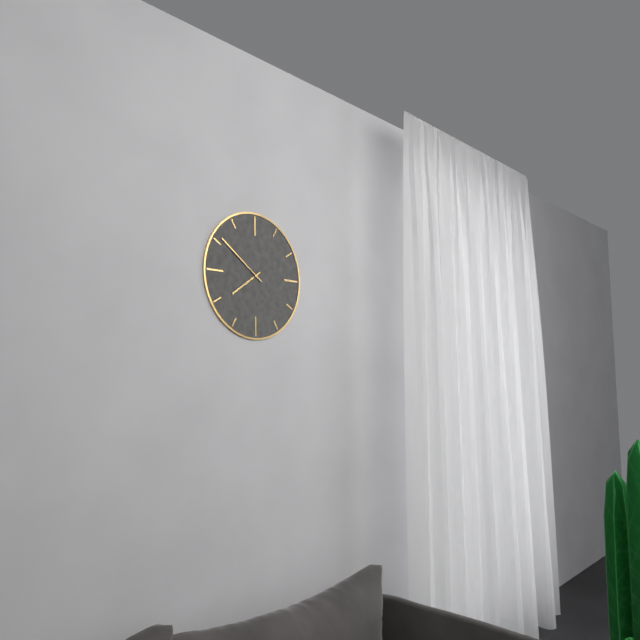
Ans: h=7 m=51
